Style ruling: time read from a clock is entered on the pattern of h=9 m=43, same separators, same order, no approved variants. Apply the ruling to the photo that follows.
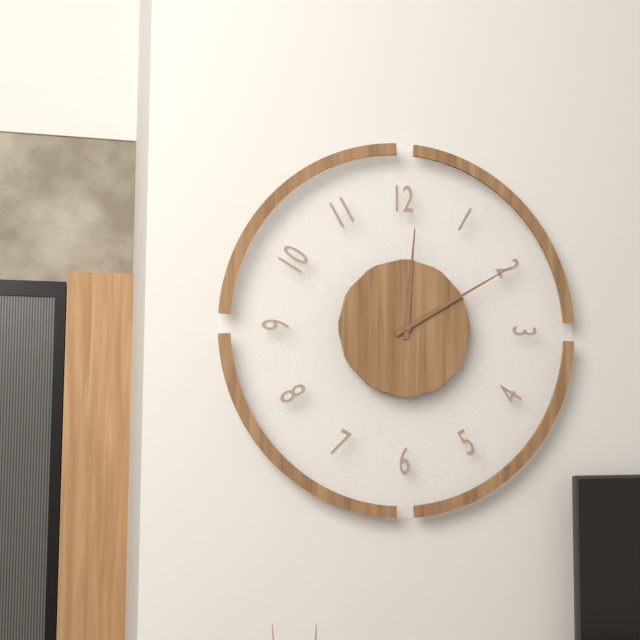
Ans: h=12 m=10
